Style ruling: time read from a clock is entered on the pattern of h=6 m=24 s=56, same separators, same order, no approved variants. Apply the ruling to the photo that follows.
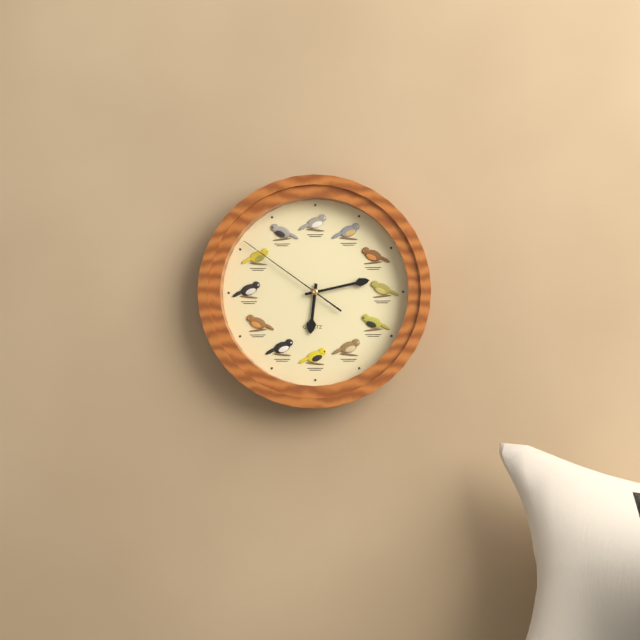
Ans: h=6 m=13 s=51
